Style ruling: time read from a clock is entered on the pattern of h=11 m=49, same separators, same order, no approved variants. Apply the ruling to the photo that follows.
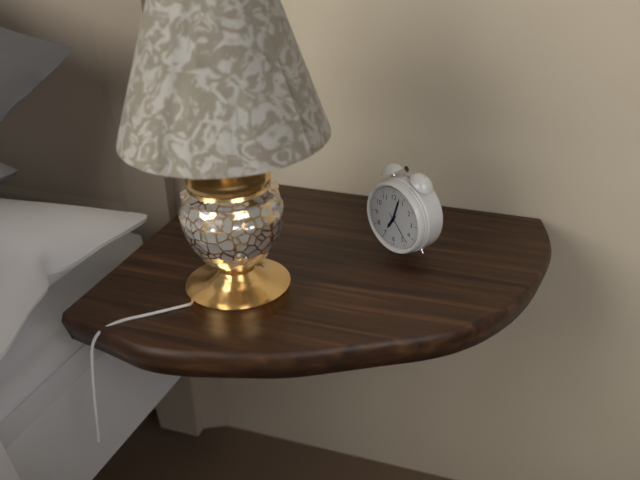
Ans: h=7 m=3
